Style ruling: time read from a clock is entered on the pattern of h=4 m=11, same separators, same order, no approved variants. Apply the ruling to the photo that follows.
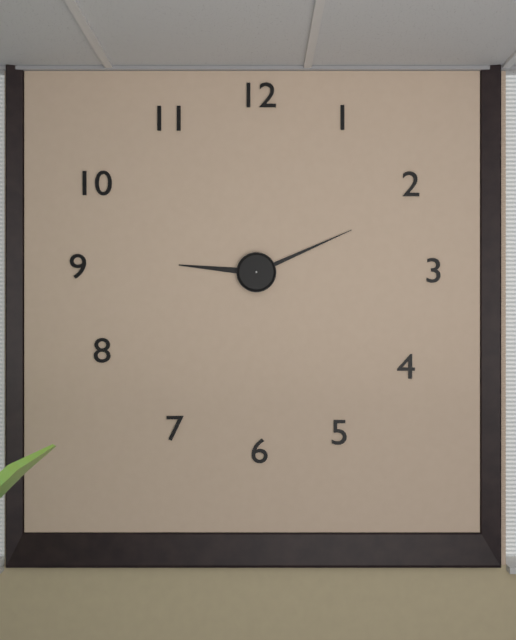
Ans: h=9 m=11
